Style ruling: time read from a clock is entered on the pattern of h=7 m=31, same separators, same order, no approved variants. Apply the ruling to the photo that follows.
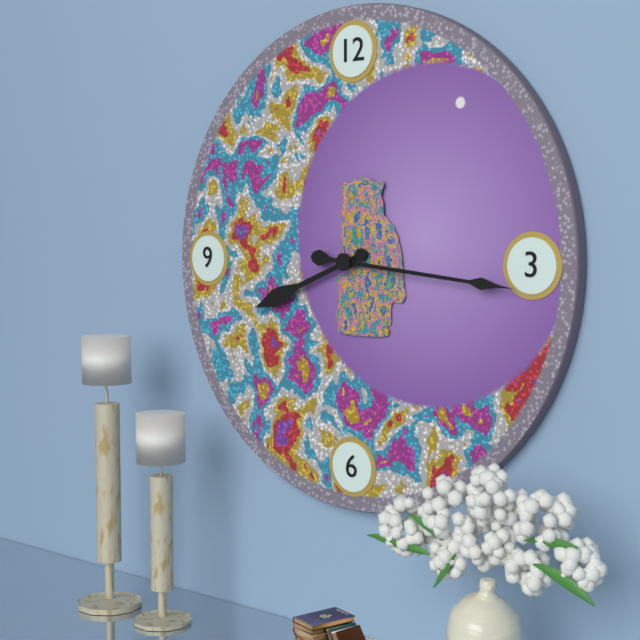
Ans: h=8 m=16
